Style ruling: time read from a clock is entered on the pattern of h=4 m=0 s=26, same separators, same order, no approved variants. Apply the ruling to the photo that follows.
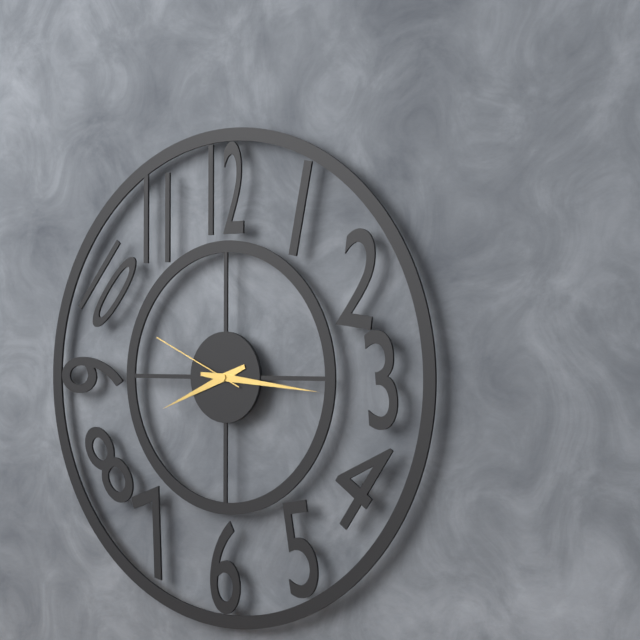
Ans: h=8 m=16 s=49
